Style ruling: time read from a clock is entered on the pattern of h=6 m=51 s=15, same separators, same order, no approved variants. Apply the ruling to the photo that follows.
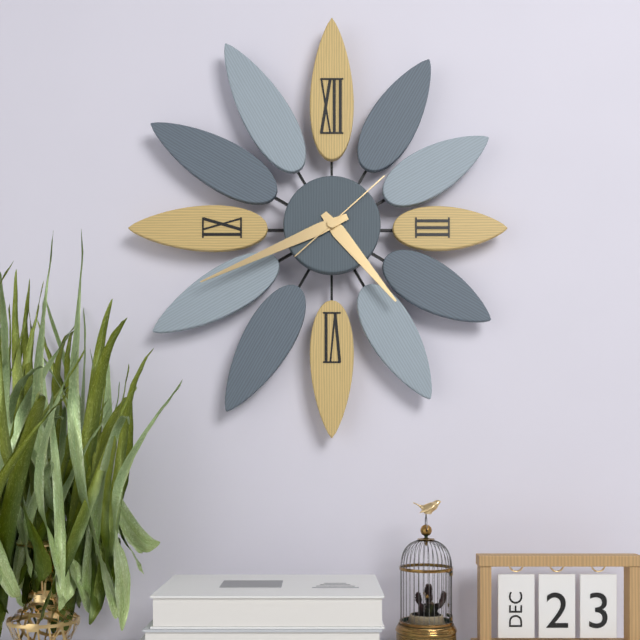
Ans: h=4 m=41 s=8
